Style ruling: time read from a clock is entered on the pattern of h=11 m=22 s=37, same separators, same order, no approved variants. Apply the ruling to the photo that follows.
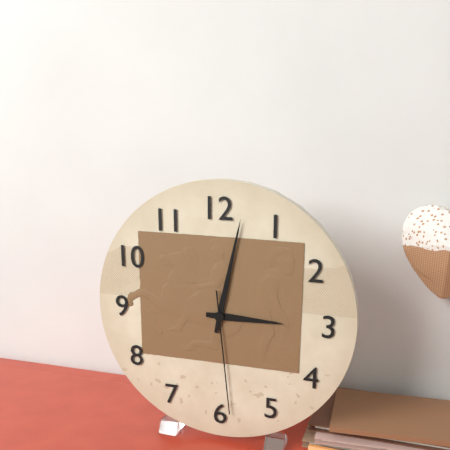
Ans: h=3 m=2 s=29
